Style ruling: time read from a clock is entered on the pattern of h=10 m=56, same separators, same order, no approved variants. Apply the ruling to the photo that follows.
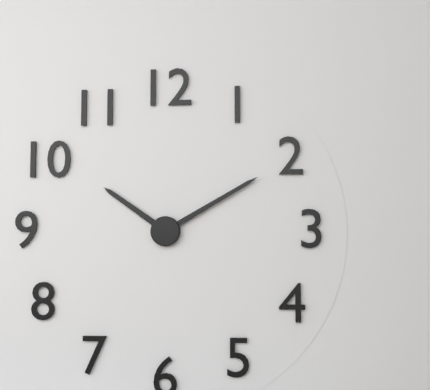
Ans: h=10 m=10
